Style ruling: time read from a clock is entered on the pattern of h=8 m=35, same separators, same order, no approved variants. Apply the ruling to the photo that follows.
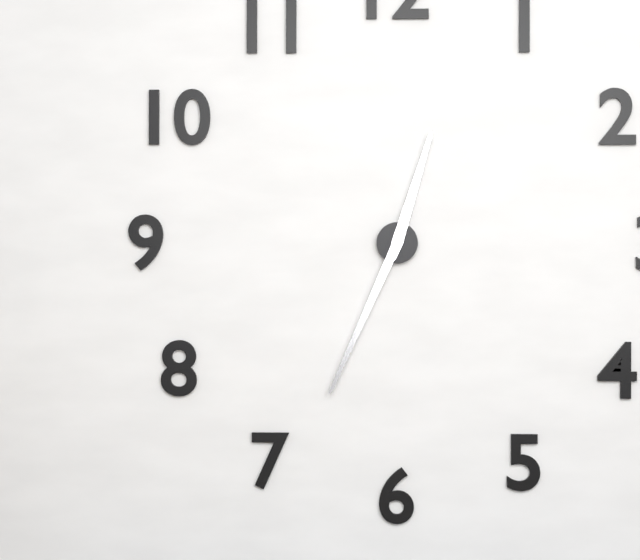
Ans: h=12 m=34
